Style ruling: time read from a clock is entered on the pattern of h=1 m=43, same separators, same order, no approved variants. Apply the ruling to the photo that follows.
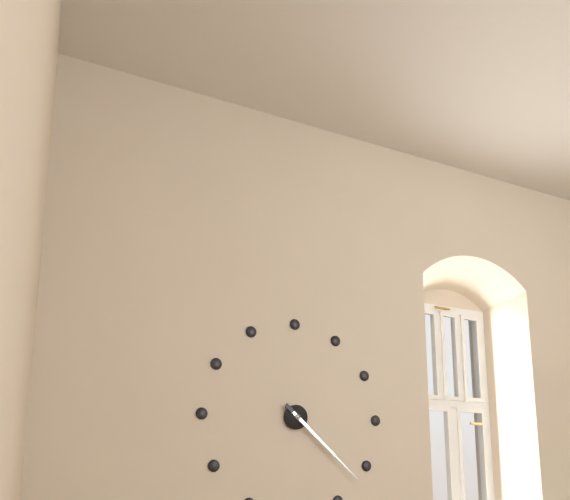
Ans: h=4 m=22
